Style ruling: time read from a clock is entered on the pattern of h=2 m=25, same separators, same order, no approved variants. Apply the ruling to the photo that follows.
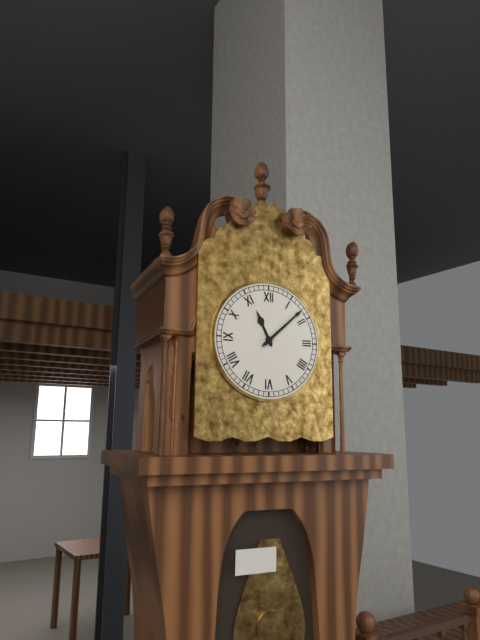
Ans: h=11 m=8
